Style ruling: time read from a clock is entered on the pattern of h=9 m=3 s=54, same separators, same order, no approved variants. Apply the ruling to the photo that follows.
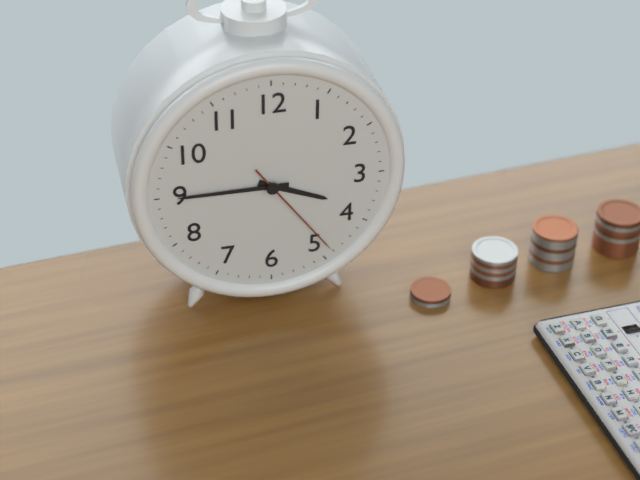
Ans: h=3 m=45 s=24
